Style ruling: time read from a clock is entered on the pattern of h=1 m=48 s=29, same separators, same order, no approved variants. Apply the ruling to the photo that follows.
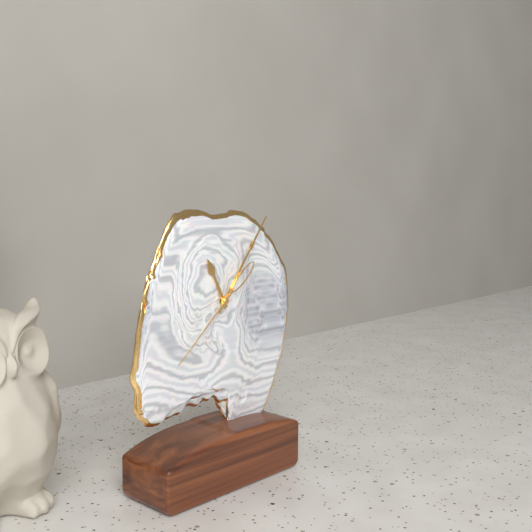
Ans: h=11 m=6 s=38
